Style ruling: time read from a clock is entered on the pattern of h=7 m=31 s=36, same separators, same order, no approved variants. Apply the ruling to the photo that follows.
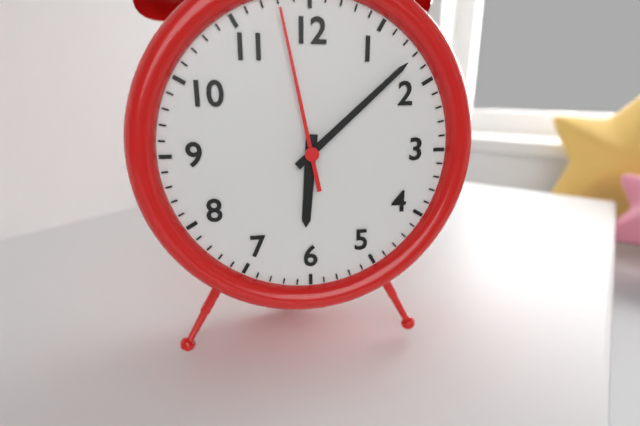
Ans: h=6 m=8 s=58
